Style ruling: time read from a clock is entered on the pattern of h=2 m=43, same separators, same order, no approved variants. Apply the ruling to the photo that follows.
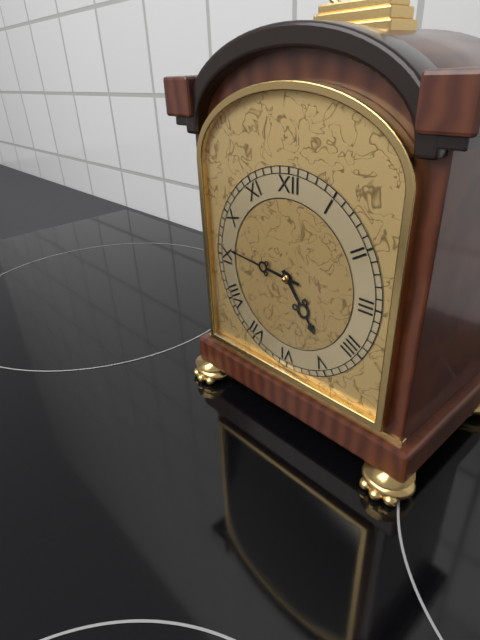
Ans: h=4 m=46
